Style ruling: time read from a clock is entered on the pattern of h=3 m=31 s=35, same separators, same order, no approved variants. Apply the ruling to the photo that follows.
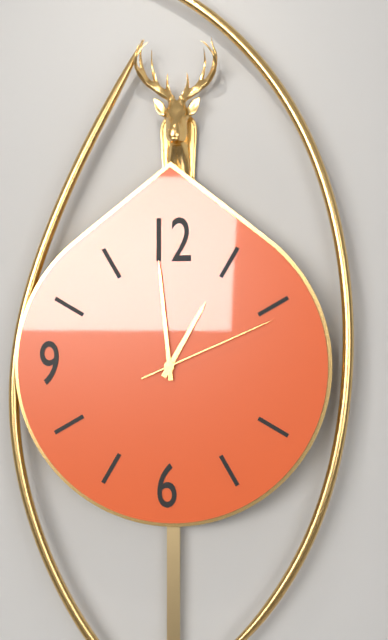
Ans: h=12 m=59 s=11
